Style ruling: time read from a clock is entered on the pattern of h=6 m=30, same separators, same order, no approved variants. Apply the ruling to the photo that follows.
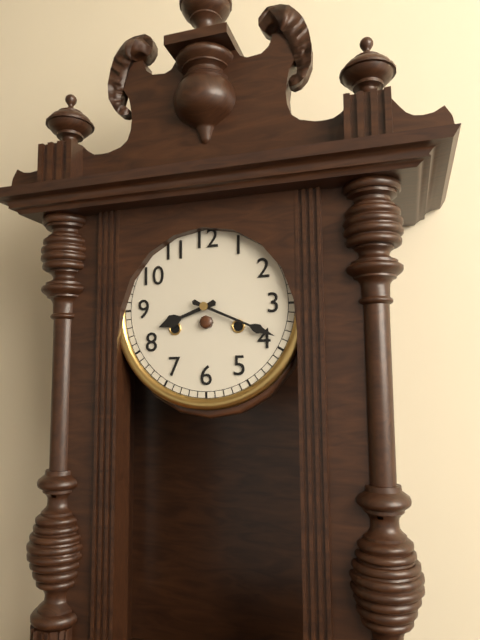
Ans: h=8 m=19
